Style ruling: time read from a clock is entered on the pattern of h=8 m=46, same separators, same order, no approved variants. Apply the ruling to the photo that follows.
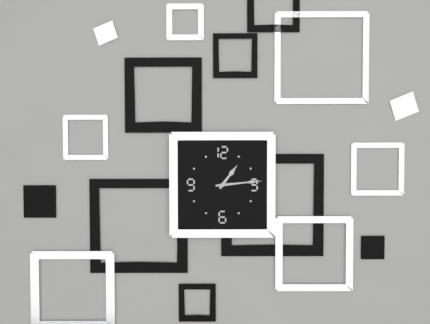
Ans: h=1 m=14
